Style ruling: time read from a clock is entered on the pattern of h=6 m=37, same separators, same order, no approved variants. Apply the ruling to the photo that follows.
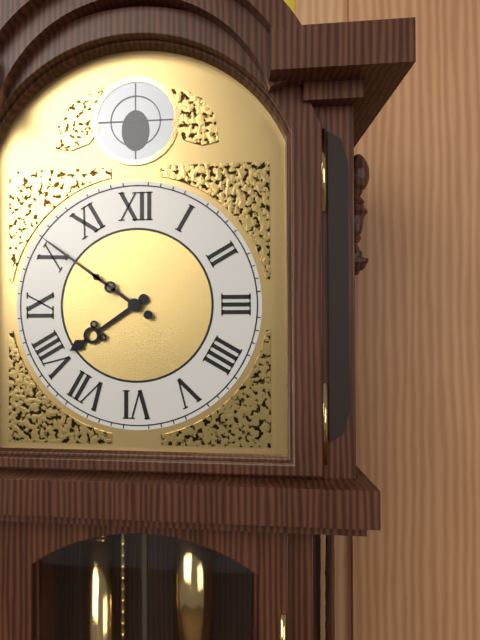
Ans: h=7 m=51
